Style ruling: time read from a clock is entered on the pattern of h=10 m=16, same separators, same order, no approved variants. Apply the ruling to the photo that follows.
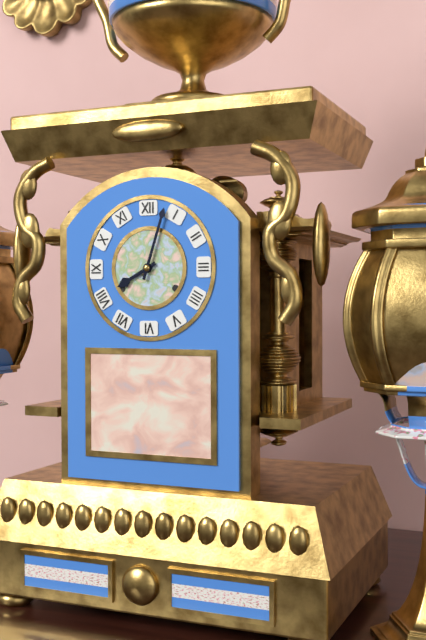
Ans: h=8 m=3
